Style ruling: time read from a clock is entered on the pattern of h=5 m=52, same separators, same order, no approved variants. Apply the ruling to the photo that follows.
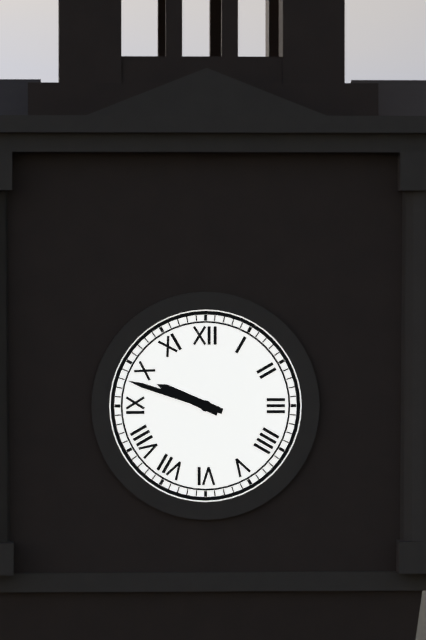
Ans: h=9 m=48
